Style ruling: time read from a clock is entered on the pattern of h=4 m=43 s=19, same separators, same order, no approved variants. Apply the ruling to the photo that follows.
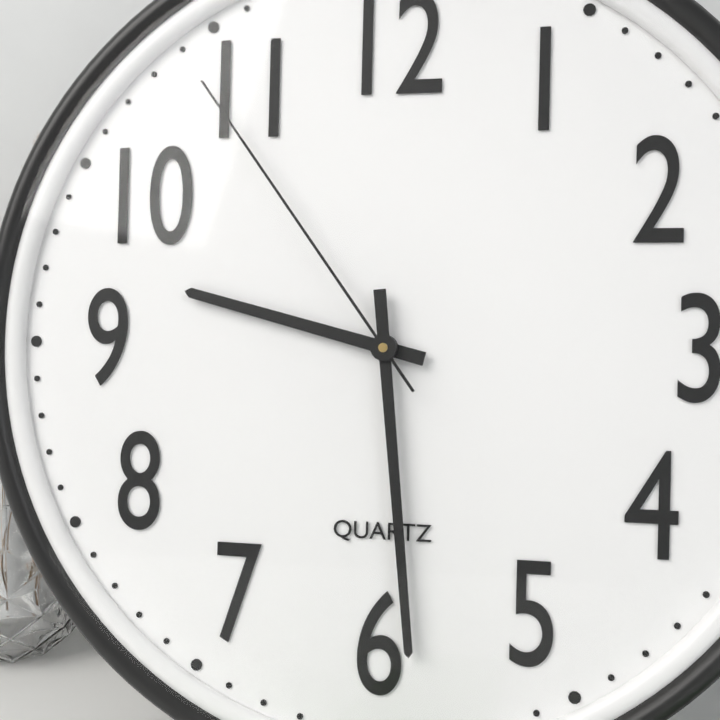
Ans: h=9 m=29 s=54
